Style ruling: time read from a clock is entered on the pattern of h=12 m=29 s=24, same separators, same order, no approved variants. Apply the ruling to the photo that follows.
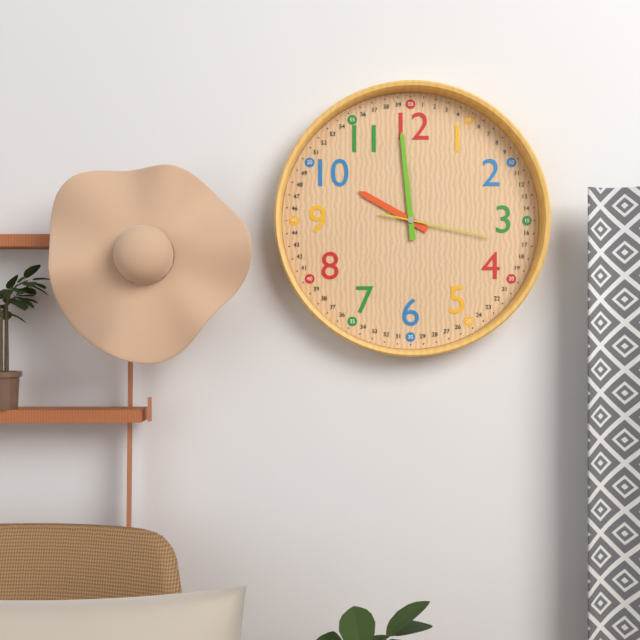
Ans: h=9 m=59 s=17
